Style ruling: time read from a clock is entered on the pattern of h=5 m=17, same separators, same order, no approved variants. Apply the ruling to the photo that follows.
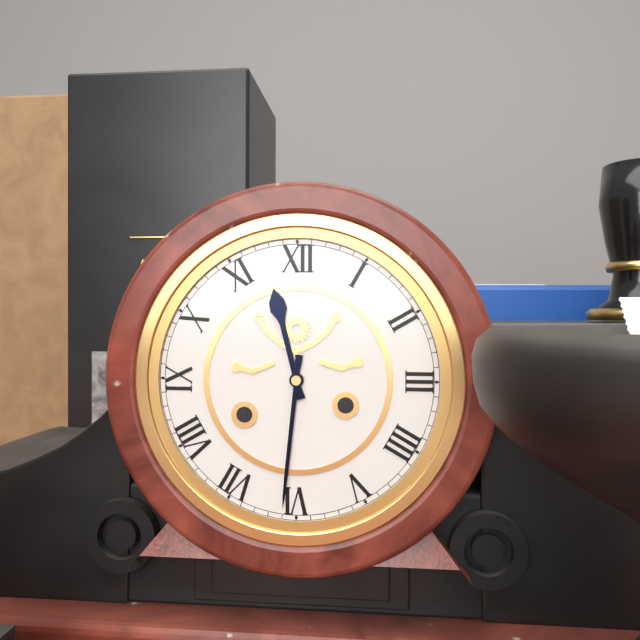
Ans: h=11 m=31
